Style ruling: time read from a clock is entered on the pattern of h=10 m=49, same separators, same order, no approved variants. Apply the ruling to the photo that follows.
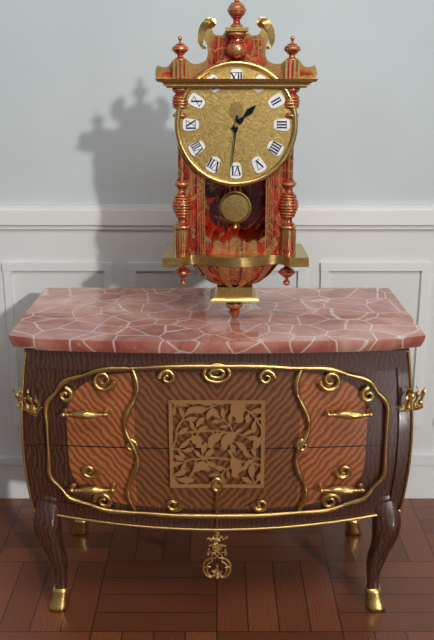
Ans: h=1 m=31
